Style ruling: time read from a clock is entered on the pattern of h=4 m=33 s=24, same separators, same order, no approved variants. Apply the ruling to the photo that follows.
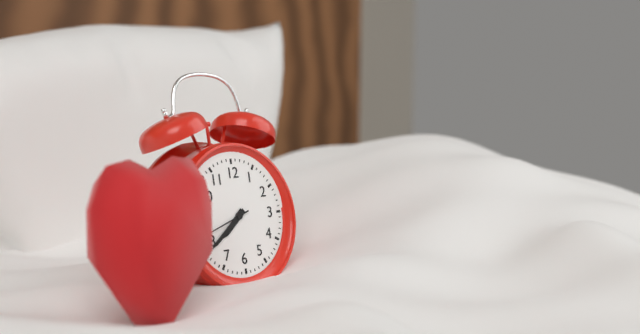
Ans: h=7 m=39 s=42
